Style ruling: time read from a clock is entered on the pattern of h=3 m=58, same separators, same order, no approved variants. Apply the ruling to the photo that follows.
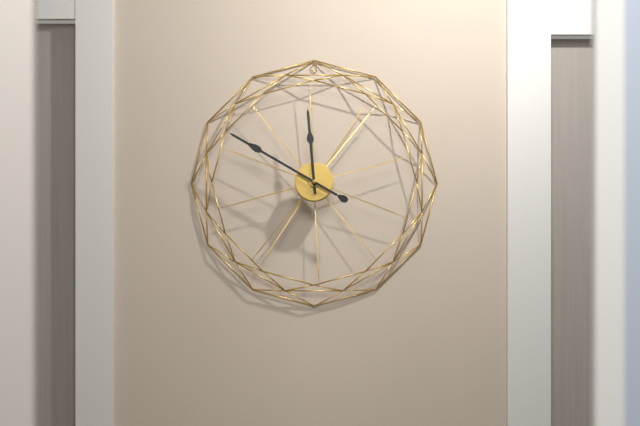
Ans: h=11 m=50
